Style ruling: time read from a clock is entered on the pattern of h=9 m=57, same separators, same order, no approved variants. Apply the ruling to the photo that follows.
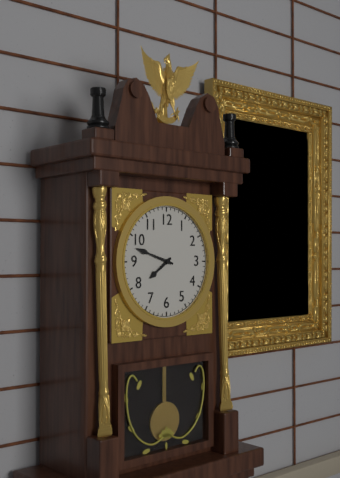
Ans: h=7 m=48
